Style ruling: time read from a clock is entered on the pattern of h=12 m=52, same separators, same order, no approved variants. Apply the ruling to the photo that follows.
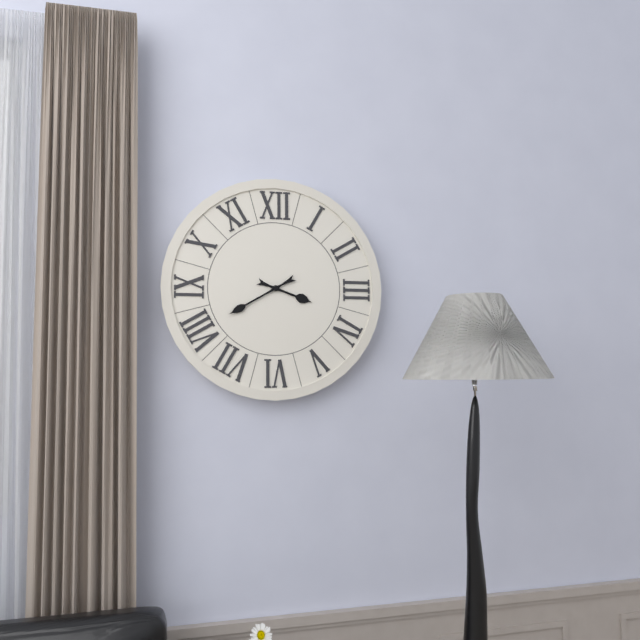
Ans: h=3 m=40
